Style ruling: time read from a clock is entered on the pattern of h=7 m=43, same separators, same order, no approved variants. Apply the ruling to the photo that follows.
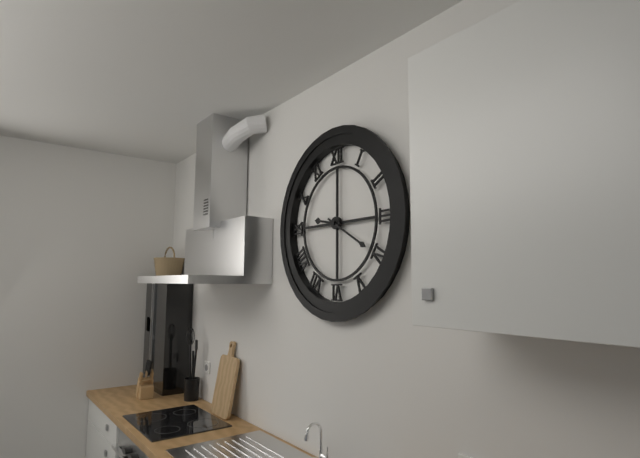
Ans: h=9 m=20
